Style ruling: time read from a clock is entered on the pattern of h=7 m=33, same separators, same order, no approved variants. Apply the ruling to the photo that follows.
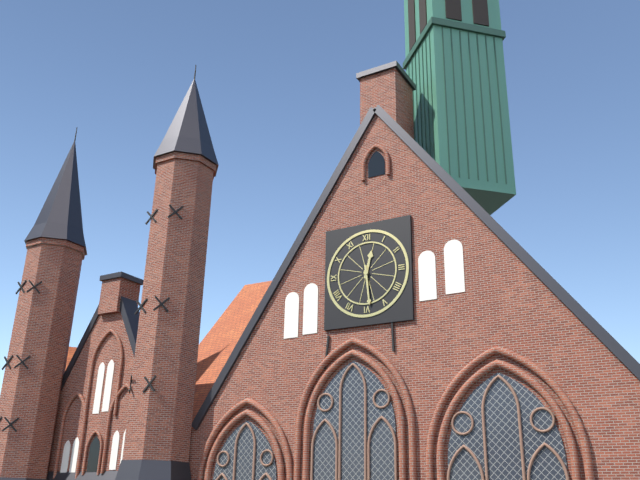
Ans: h=12 m=29
